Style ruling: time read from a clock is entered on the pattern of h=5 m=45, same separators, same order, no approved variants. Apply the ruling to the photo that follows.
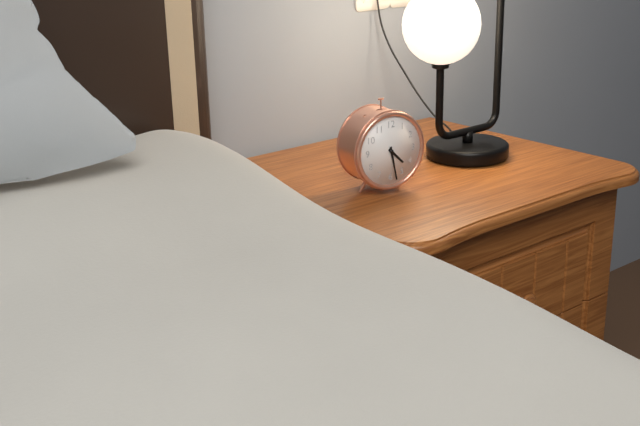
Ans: h=4 m=28
